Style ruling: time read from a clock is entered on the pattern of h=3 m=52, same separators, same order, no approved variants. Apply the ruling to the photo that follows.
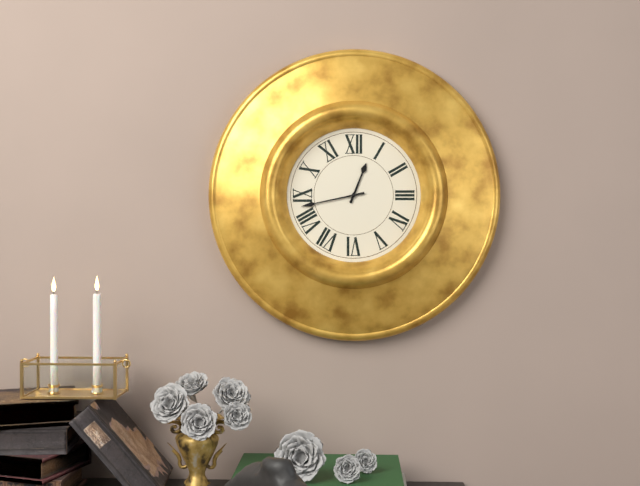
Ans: h=12 m=43
